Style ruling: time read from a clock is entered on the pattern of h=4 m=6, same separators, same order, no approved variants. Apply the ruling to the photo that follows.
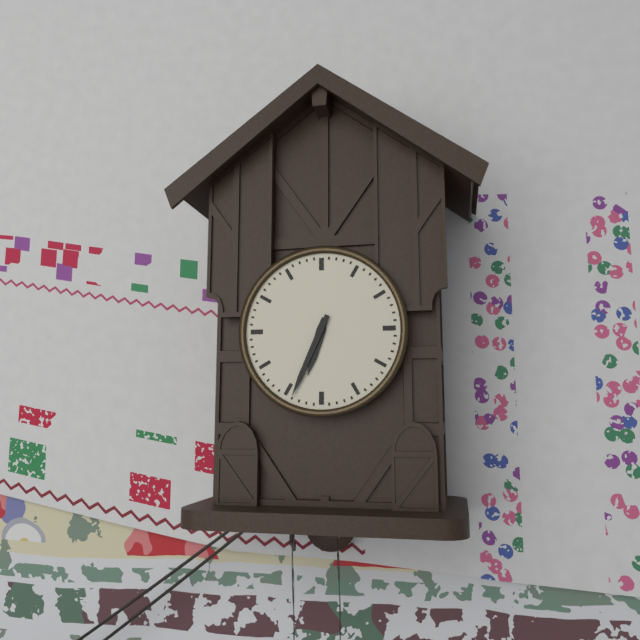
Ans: h=6 m=34
